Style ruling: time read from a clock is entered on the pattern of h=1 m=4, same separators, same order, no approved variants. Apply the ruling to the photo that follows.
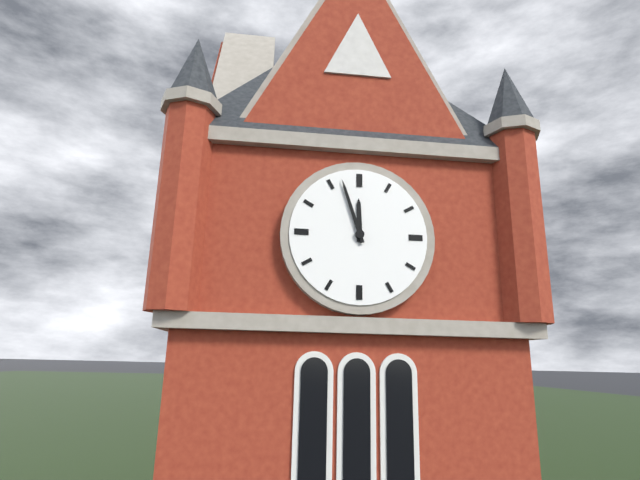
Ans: h=11 m=57
